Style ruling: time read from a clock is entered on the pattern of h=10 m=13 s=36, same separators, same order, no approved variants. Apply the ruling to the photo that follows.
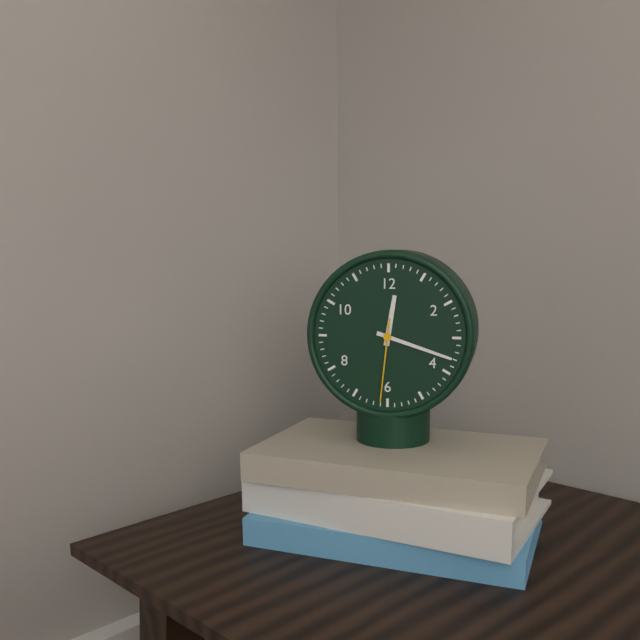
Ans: h=12 m=18 s=31
